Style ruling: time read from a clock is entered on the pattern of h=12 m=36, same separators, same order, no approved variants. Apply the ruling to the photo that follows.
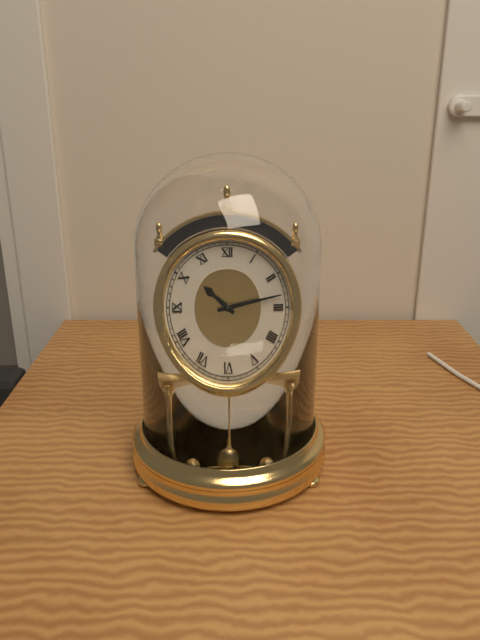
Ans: h=10 m=13
